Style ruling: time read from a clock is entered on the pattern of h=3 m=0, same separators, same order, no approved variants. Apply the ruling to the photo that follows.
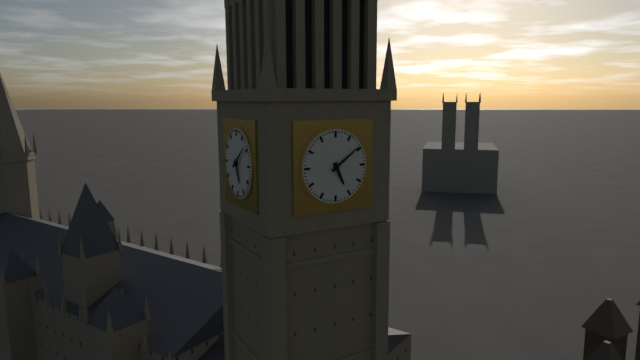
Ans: h=5 m=9
